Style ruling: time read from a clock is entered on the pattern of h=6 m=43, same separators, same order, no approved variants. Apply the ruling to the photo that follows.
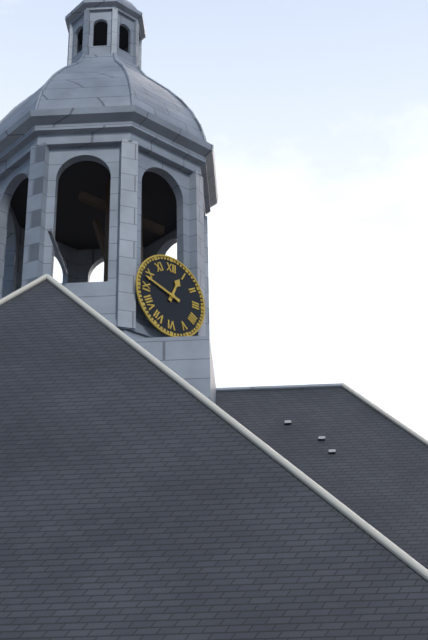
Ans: h=12 m=48
